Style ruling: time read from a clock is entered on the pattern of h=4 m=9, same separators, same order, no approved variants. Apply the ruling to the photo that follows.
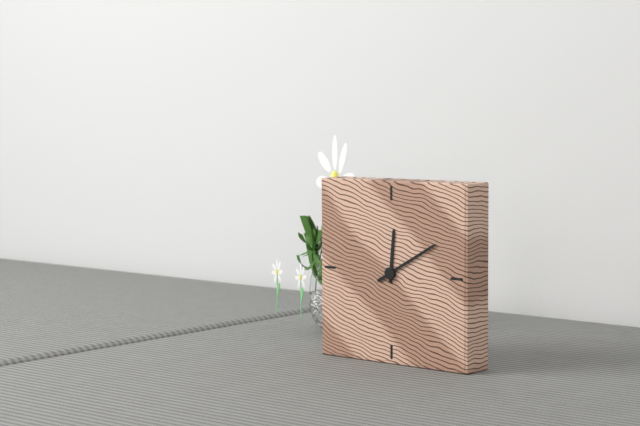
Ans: h=12 m=10
